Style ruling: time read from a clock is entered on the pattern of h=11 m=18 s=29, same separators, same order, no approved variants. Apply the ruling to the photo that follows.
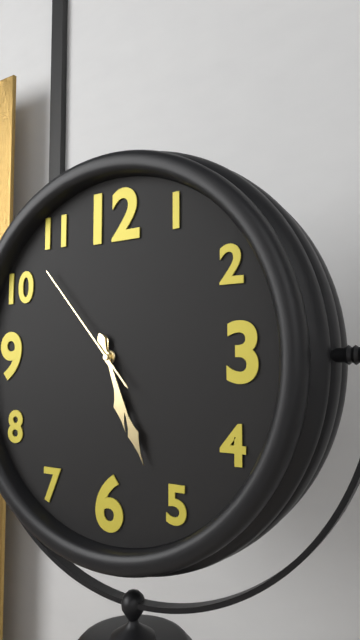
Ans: h=5 m=26 s=53
